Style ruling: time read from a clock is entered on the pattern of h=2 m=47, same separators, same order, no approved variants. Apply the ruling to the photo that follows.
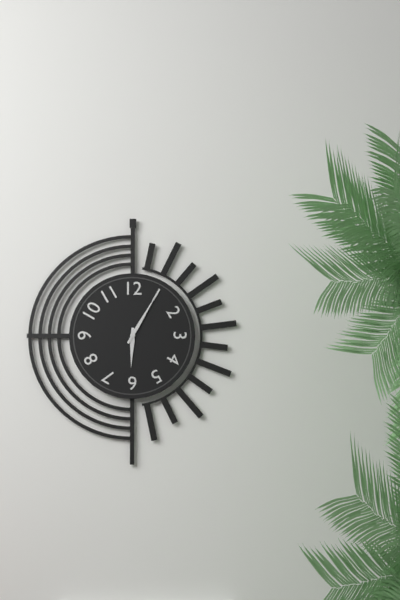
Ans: h=6 m=5
